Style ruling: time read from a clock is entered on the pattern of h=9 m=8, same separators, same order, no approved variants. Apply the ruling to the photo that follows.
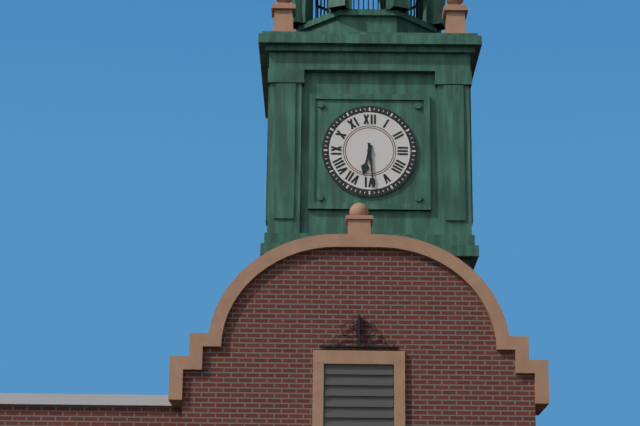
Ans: h=6 m=29
